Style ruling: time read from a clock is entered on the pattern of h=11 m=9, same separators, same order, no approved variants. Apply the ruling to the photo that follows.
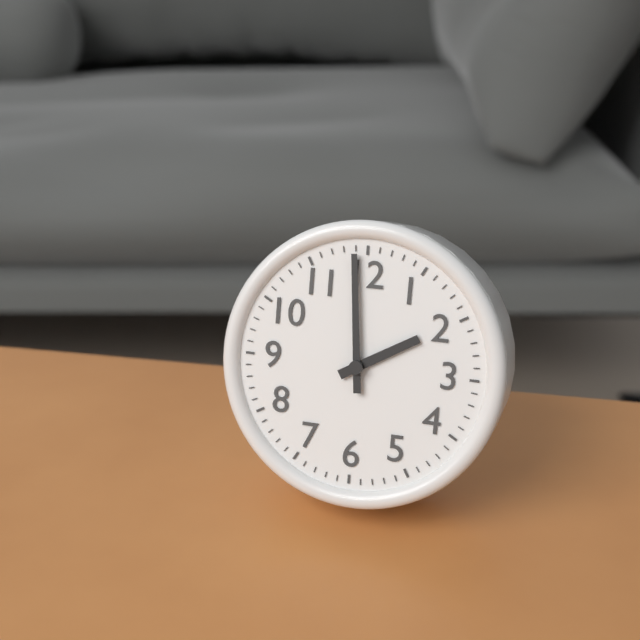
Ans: h=1 m=59
